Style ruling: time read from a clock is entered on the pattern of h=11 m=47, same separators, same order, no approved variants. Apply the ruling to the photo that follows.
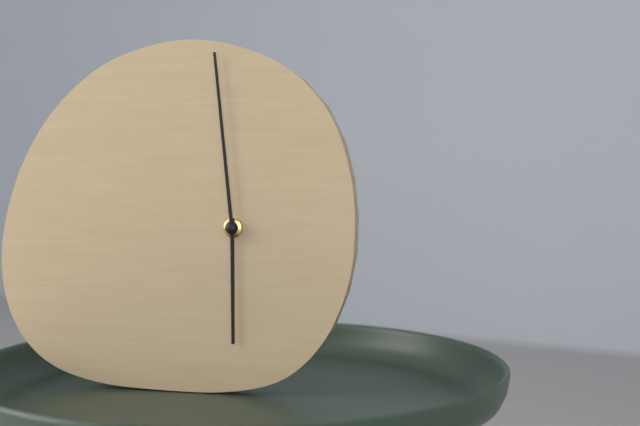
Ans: h=5 m=59
